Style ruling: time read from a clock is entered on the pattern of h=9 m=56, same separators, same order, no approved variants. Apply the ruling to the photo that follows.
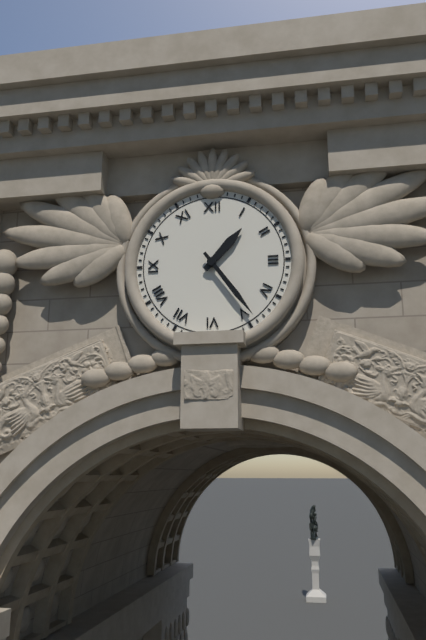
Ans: h=1 m=24
